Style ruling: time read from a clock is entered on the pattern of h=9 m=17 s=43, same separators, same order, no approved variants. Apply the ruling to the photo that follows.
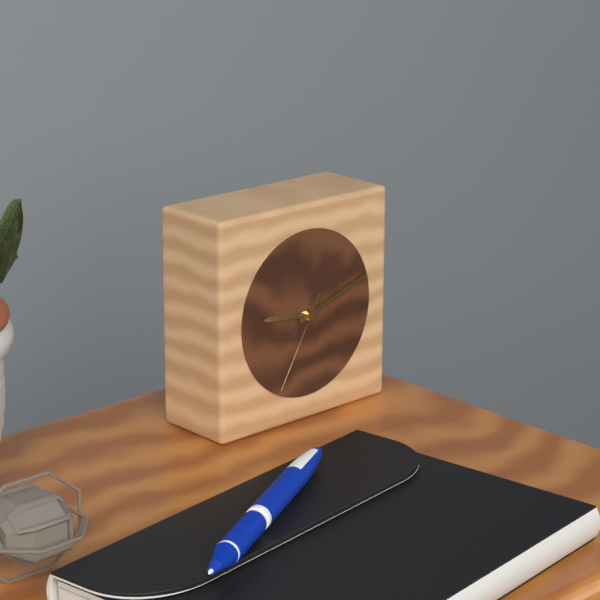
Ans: h=9 m=12 s=35
